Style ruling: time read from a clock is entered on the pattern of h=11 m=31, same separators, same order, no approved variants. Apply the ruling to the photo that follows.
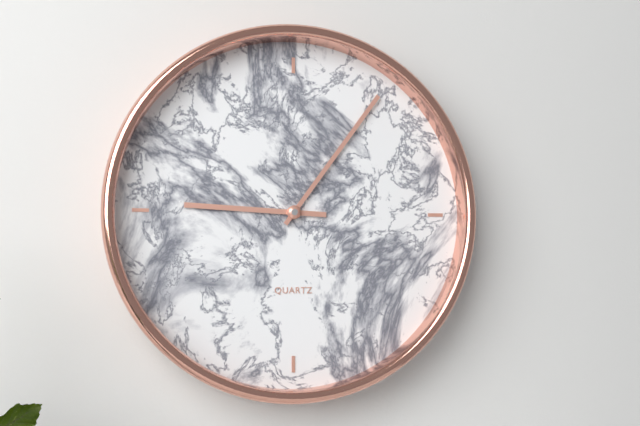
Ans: h=9 m=6
